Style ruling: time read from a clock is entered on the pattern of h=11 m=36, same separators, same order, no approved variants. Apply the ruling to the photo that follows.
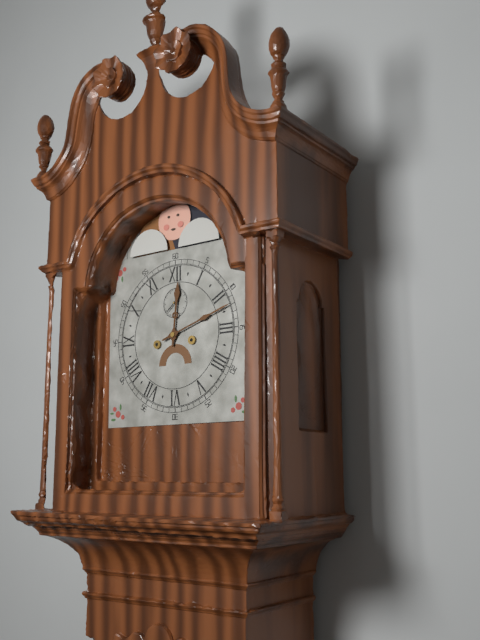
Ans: h=12 m=12
